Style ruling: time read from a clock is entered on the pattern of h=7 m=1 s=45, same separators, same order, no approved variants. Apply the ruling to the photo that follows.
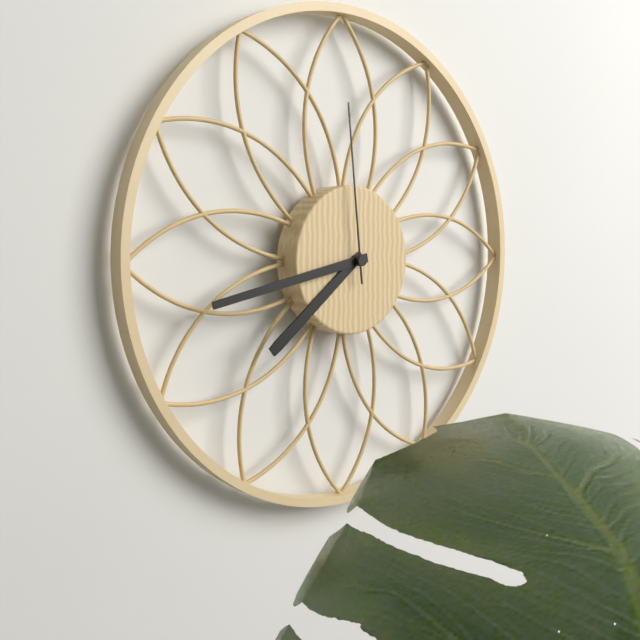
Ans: h=7 m=43 s=59
